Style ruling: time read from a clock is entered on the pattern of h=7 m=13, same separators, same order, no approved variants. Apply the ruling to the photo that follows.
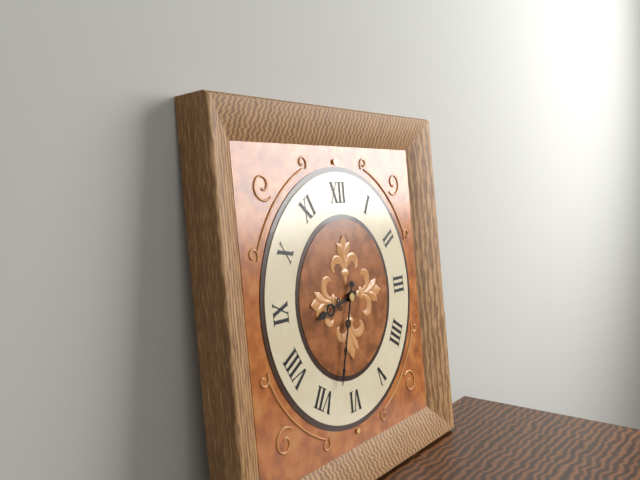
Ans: h=8 m=33
